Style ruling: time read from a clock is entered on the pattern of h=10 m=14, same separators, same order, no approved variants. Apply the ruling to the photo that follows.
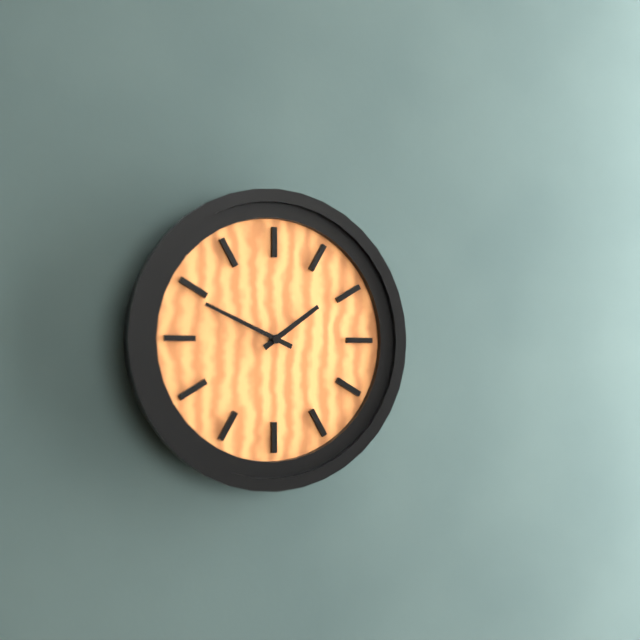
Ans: h=1 m=49
